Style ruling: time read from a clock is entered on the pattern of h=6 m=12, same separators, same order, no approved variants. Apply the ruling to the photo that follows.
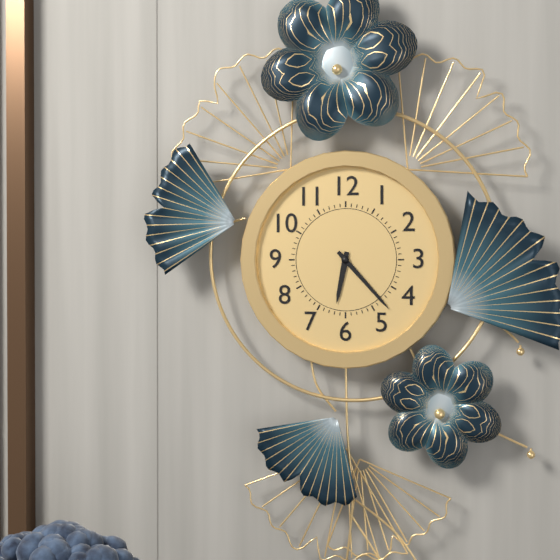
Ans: h=6 m=23
